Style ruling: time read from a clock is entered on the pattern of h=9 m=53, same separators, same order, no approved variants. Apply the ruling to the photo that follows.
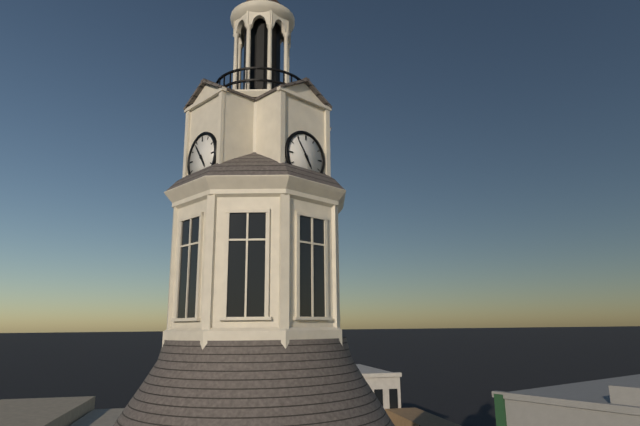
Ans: h=4 m=54
